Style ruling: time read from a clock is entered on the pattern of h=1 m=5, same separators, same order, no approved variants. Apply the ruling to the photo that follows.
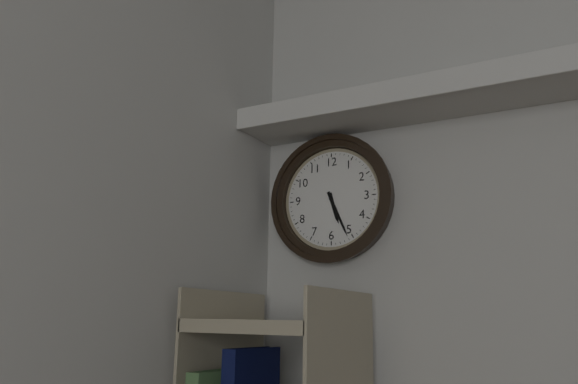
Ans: h=5 m=26
